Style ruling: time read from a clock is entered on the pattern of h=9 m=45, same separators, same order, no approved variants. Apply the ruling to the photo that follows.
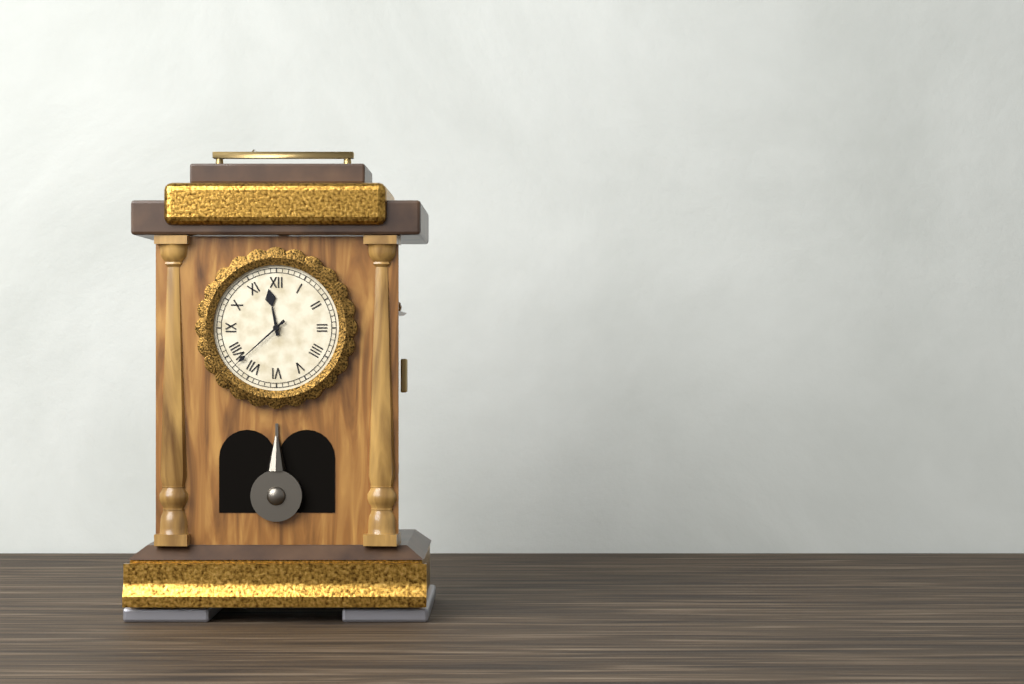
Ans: h=11 m=38
